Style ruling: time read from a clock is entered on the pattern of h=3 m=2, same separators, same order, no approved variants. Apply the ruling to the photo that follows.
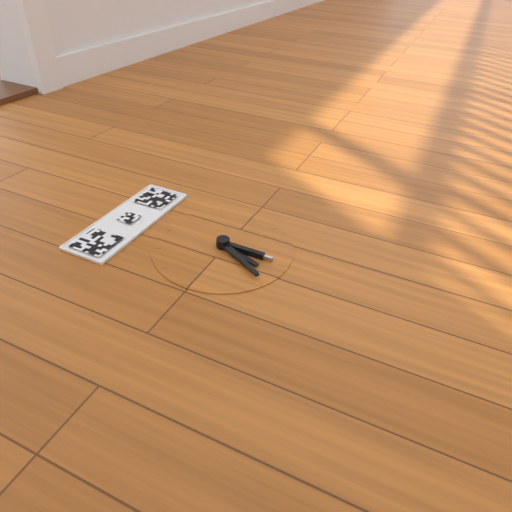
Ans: h=6 m=35
